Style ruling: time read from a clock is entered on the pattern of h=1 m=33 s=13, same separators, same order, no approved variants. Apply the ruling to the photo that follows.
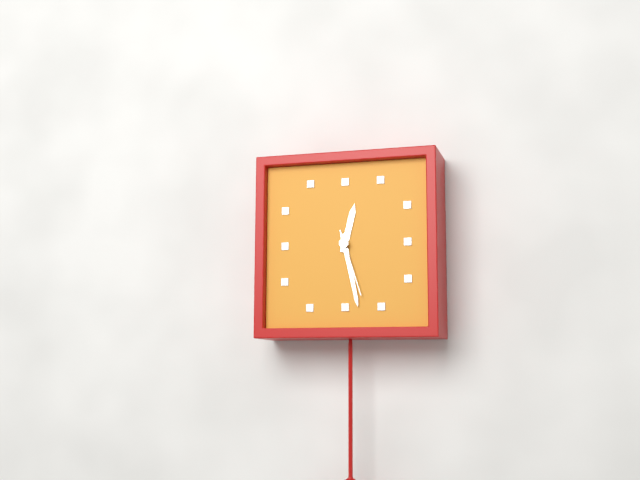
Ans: h=12 m=28 s=27
